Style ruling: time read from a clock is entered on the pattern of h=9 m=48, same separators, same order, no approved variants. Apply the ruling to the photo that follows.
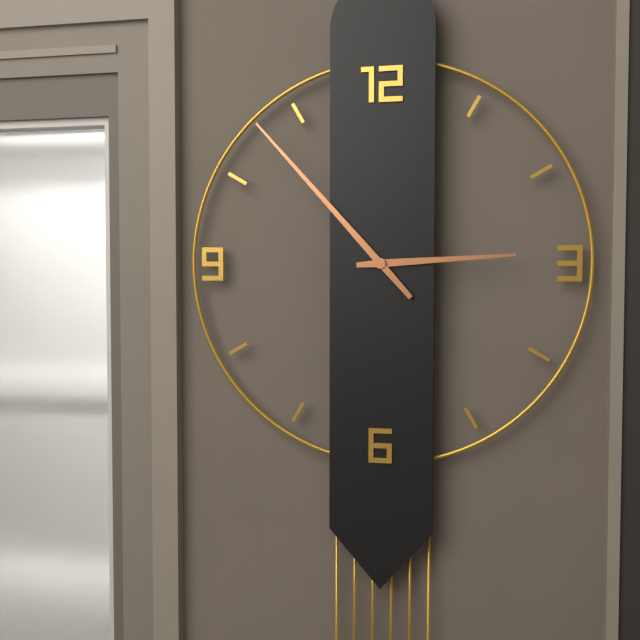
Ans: h=2 m=53
